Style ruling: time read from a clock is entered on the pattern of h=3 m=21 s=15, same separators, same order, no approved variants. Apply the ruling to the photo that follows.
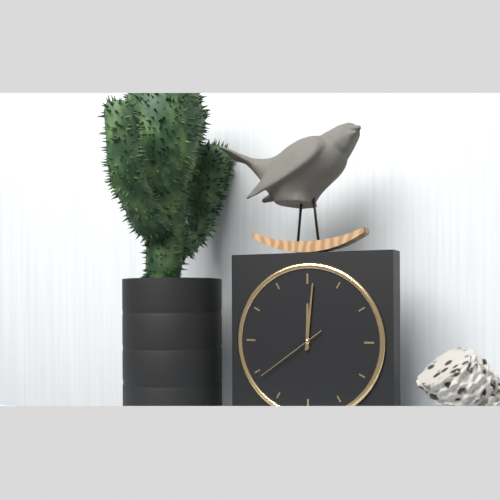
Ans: h=12 m=1 s=39
